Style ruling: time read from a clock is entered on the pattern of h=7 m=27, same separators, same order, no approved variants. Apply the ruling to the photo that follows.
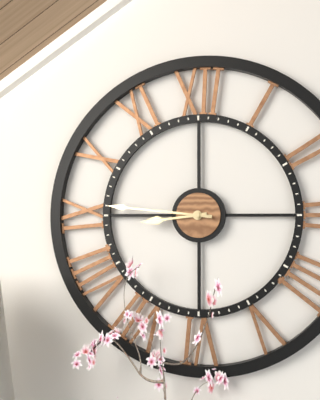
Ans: h=8 m=46
